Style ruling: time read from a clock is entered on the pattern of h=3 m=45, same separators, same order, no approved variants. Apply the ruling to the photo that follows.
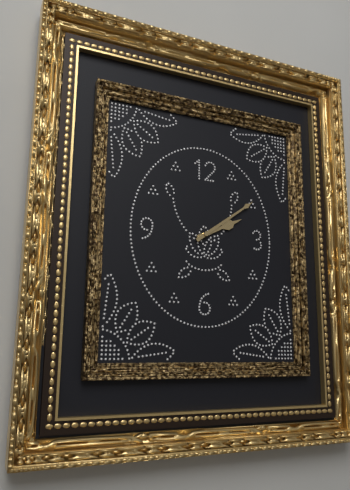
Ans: h=2 m=9
